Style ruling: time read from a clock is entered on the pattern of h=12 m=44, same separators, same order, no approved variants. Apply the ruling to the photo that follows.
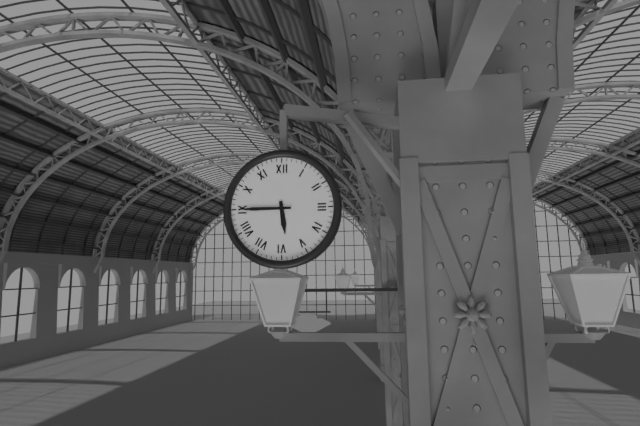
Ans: h=5 m=45
